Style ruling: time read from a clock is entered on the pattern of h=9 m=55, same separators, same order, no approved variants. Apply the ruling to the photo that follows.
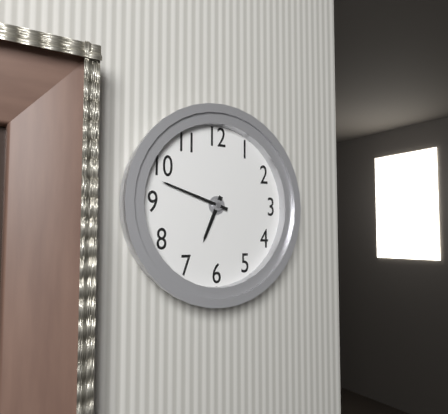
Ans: h=6 m=48
